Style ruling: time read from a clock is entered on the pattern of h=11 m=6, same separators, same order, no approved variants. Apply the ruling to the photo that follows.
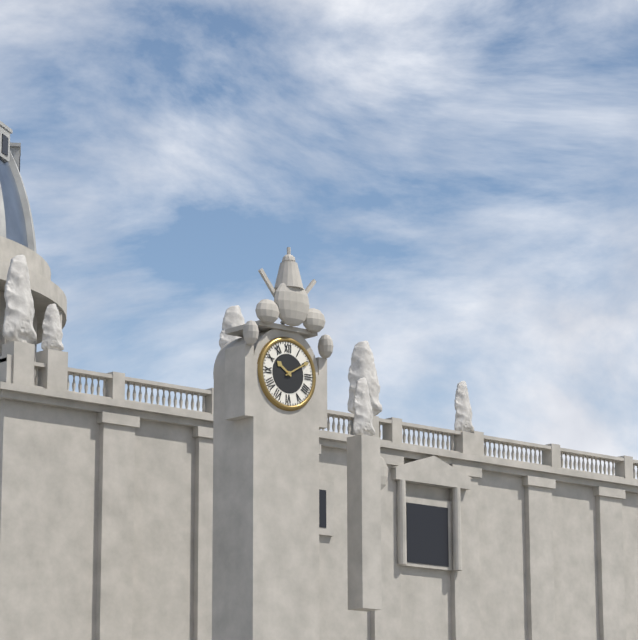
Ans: h=10 m=10
